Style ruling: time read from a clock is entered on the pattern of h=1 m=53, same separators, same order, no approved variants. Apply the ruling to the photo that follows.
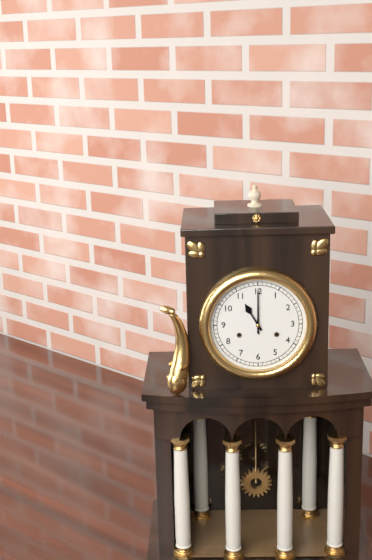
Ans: h=11 m=0
